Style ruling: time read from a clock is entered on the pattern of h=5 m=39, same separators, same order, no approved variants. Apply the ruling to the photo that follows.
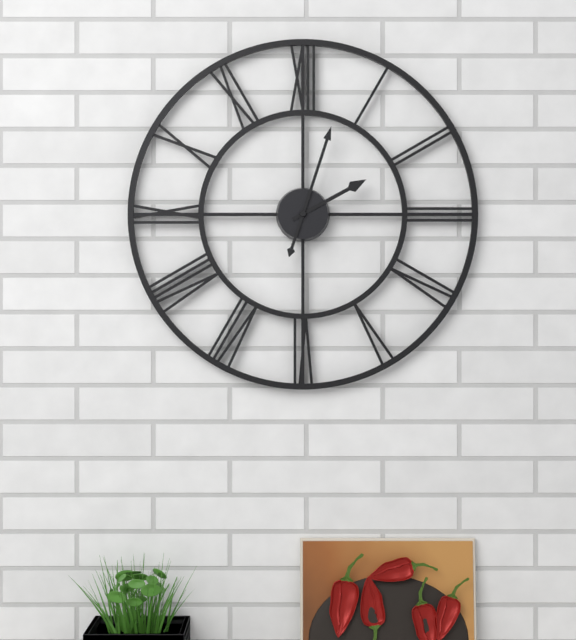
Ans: h=2 m=3
